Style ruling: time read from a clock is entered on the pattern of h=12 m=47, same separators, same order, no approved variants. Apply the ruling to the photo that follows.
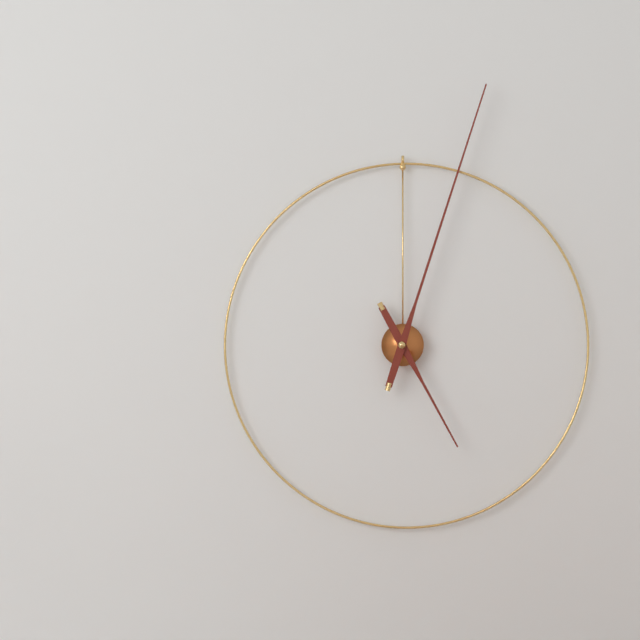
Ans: h=5 m=3
